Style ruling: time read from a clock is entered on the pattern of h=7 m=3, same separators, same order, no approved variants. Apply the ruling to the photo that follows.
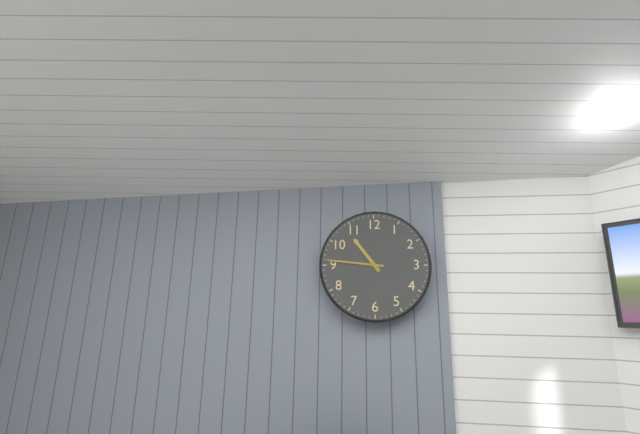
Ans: h=10 m=46
